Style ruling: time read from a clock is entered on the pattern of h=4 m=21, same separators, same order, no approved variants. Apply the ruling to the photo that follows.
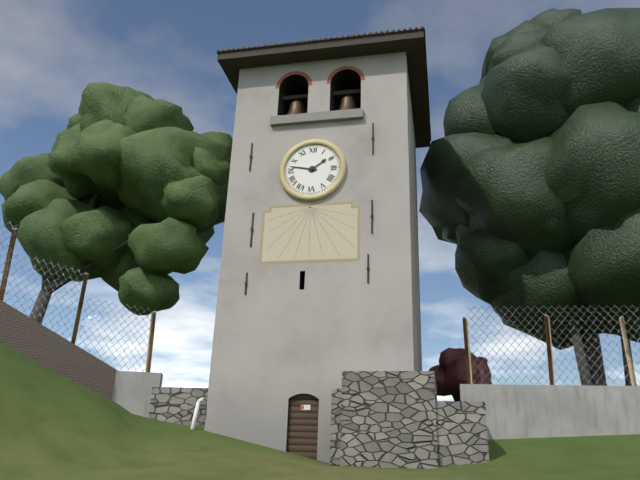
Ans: h=1 m=47
